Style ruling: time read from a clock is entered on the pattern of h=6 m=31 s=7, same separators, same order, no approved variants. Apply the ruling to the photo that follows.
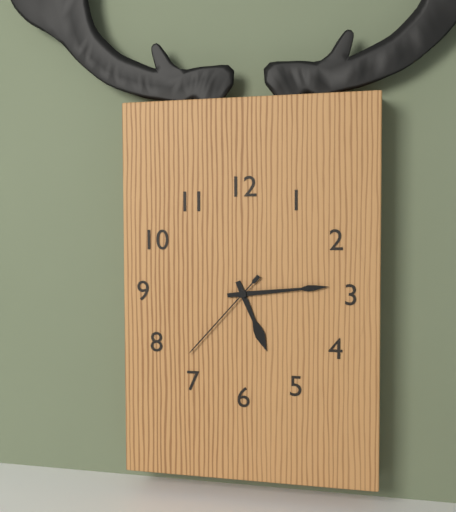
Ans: h=5 m=14 s=37
